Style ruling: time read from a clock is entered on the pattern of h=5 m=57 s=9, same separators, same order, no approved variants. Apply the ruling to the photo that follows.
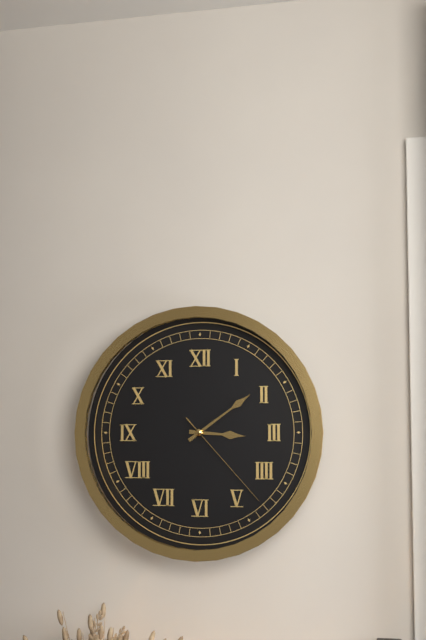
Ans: h=3 m=9 s=23
